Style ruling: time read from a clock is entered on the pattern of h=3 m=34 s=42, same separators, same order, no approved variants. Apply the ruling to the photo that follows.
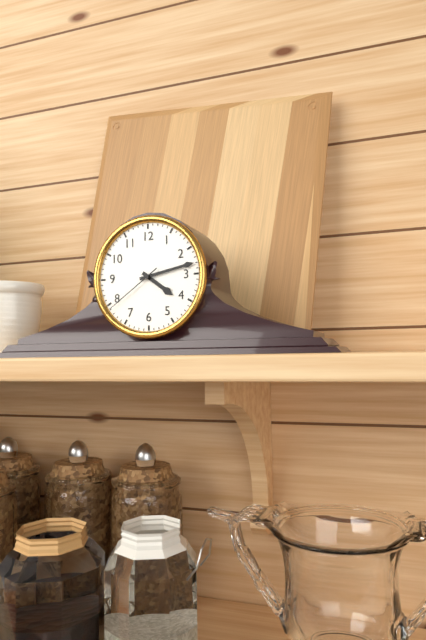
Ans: h=4 m=13 s=39
